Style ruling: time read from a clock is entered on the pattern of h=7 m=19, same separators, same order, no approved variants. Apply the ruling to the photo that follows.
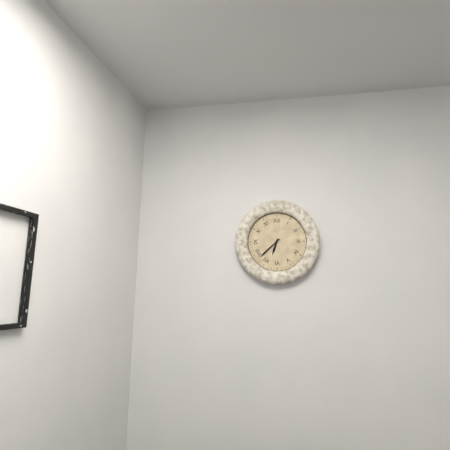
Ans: h=6 m=38
